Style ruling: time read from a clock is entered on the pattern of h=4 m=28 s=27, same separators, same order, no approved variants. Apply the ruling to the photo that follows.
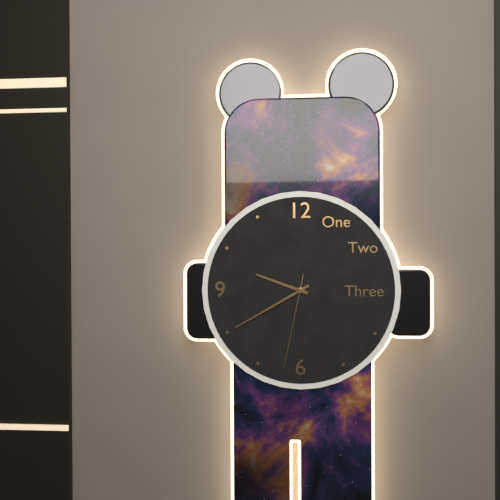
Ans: h=9 m=40 s=32
